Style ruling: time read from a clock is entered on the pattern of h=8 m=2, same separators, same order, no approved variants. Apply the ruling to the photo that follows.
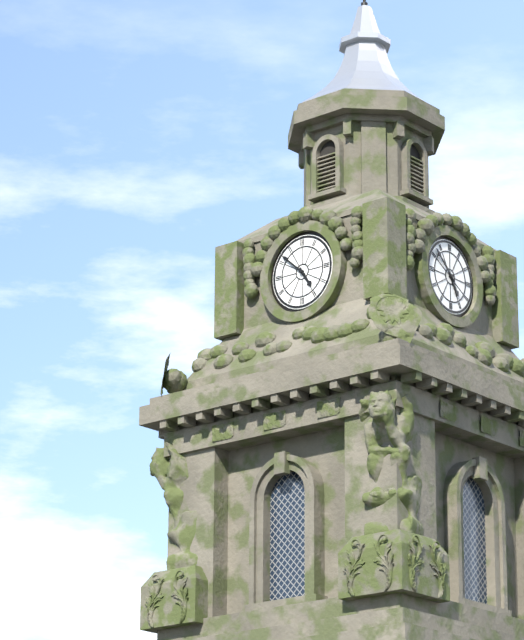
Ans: h=4 m=52
